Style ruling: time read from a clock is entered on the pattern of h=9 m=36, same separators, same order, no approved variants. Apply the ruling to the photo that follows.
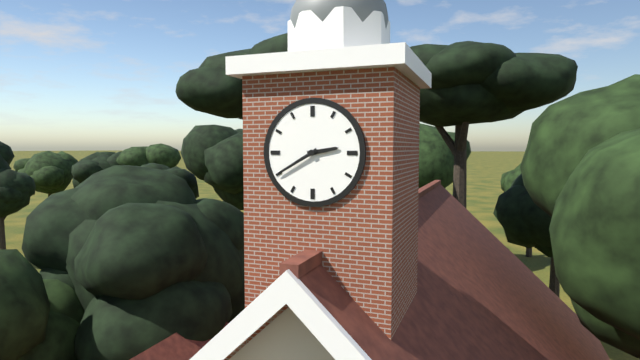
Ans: h=2 m=40
